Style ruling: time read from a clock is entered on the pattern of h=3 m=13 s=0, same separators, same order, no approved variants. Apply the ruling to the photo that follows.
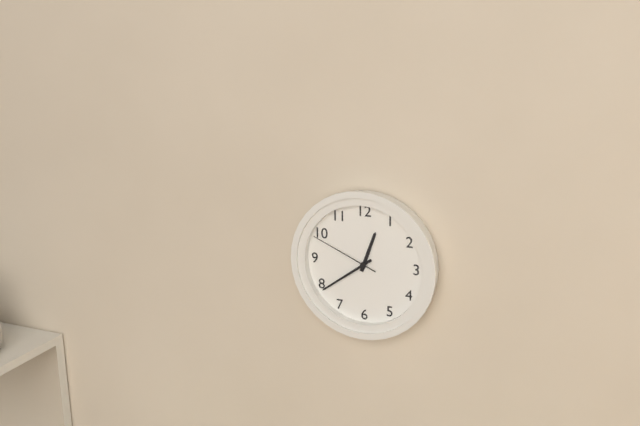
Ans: h=12 m=39 s=49
